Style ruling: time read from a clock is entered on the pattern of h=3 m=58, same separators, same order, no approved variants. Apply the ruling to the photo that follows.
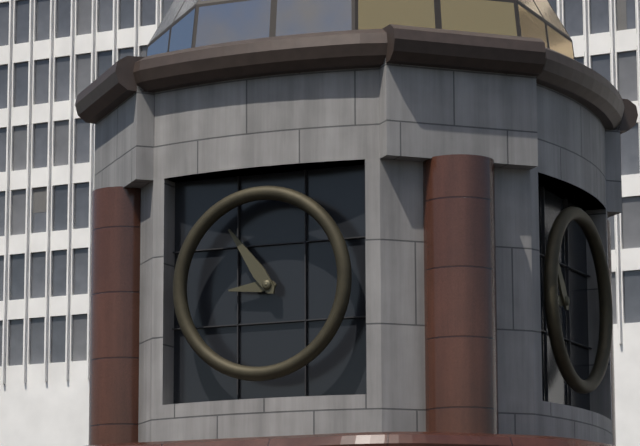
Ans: h=8 m=54
